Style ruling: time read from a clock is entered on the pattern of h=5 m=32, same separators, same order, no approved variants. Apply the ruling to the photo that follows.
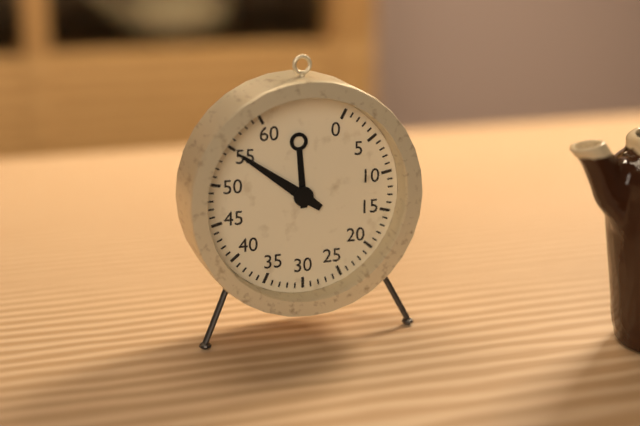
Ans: h=11 m=51
